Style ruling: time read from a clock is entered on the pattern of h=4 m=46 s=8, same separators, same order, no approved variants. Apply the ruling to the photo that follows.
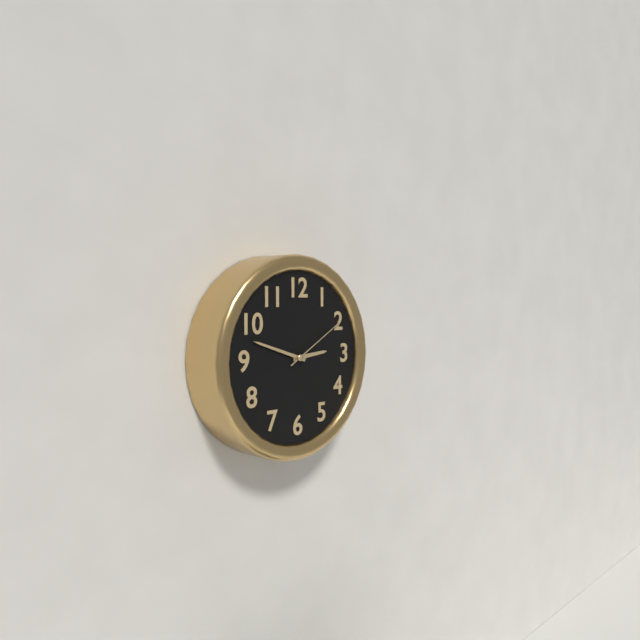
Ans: h=2 m=48 s=10
